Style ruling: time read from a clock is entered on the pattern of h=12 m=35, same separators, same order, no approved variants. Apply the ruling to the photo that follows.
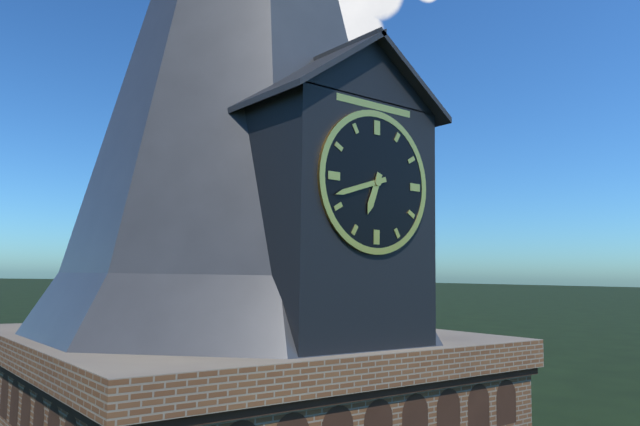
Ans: h=6 m=42
